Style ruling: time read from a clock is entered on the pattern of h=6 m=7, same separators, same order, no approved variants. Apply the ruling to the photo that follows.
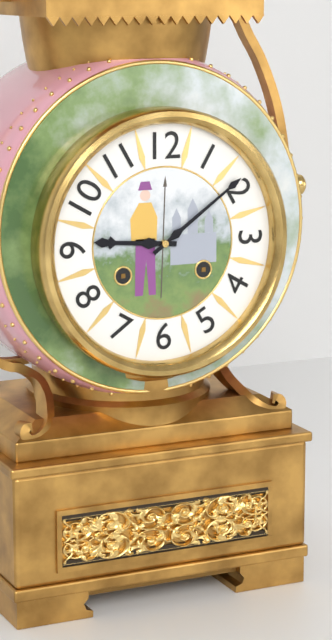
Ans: h=9 m=9
